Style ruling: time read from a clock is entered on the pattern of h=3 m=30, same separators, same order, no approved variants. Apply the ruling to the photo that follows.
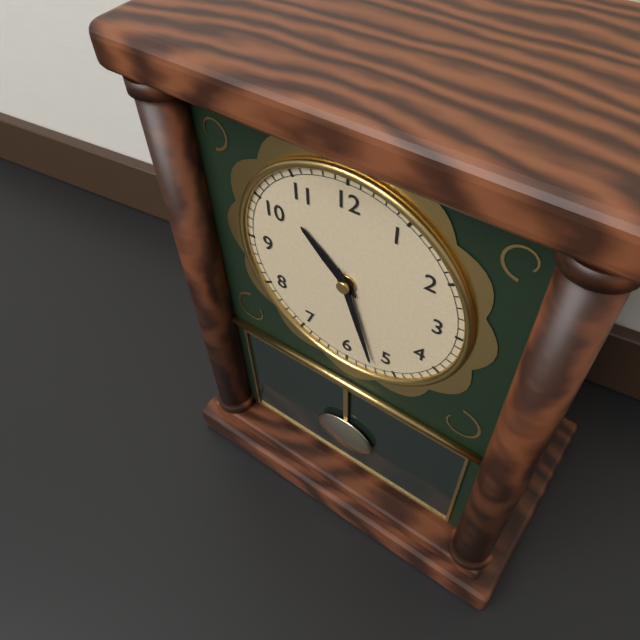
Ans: h=10 m=27
